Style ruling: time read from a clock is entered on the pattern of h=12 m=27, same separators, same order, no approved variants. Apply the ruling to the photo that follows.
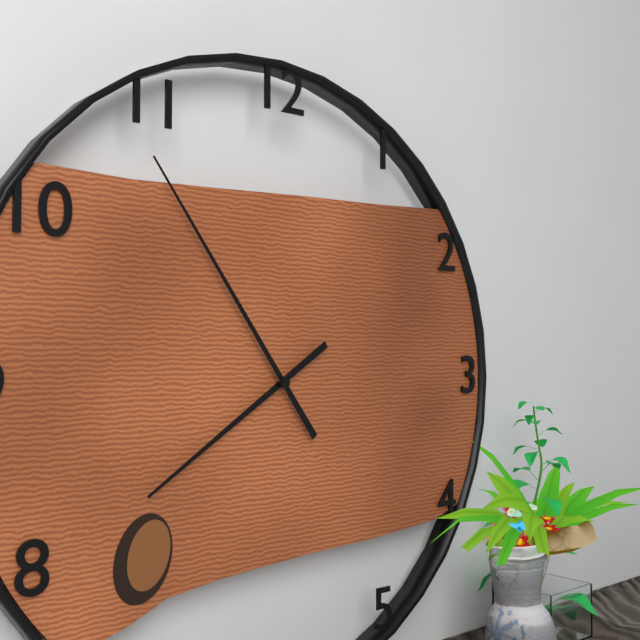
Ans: h=7 m=54
